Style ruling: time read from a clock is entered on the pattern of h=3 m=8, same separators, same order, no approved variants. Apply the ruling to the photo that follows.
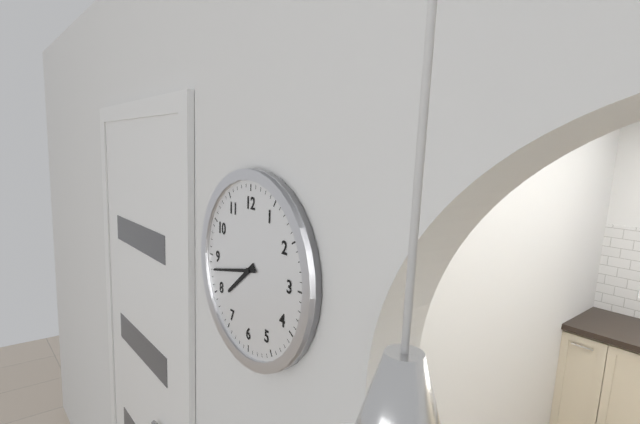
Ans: h=7 m=43
